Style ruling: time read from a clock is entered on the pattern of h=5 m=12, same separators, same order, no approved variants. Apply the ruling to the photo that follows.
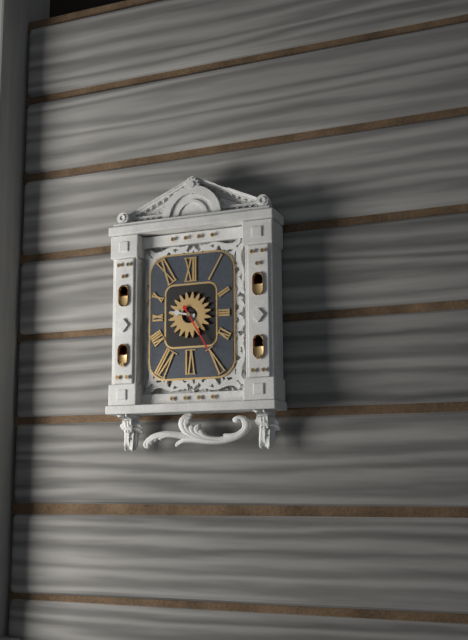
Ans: h=9 m=25
